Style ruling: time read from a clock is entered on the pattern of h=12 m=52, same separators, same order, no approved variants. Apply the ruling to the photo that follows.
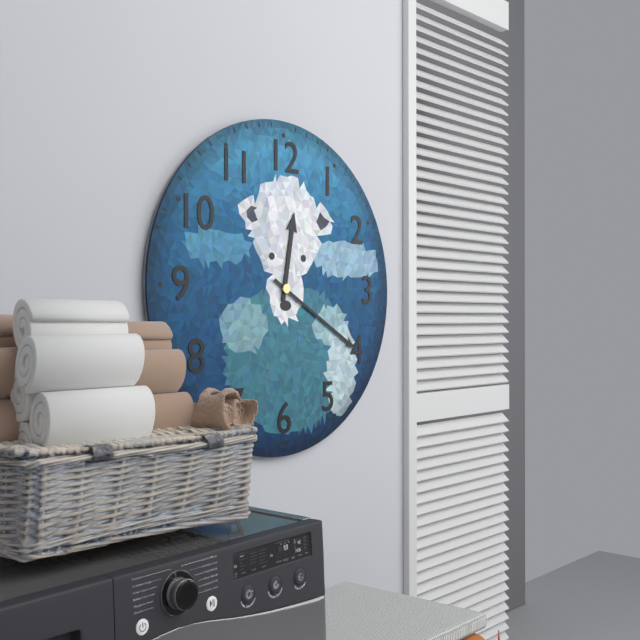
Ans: h=12 m=20
